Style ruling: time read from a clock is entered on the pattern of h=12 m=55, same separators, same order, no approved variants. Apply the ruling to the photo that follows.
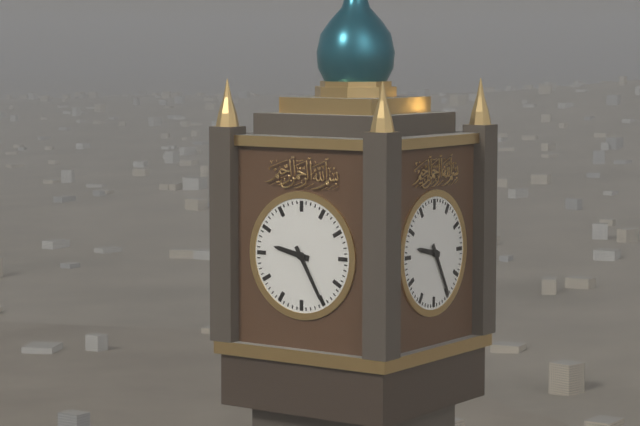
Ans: h=9 m=25
